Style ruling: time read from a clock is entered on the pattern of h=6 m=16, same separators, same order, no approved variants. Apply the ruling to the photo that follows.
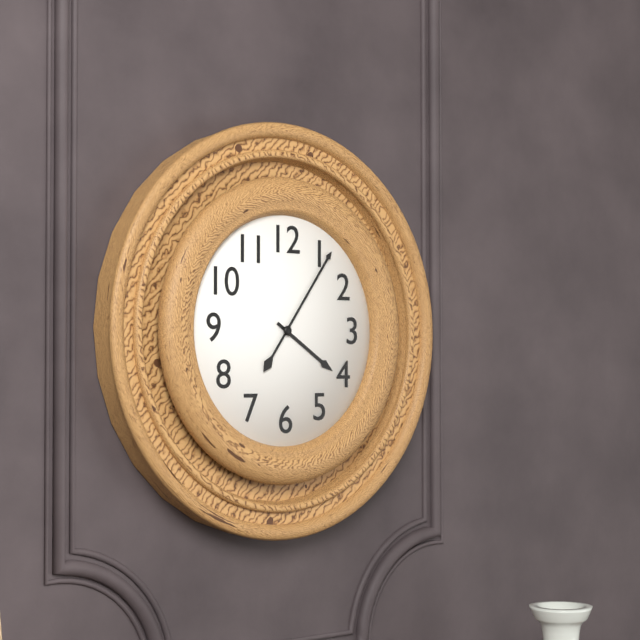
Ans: h=4 m=6
